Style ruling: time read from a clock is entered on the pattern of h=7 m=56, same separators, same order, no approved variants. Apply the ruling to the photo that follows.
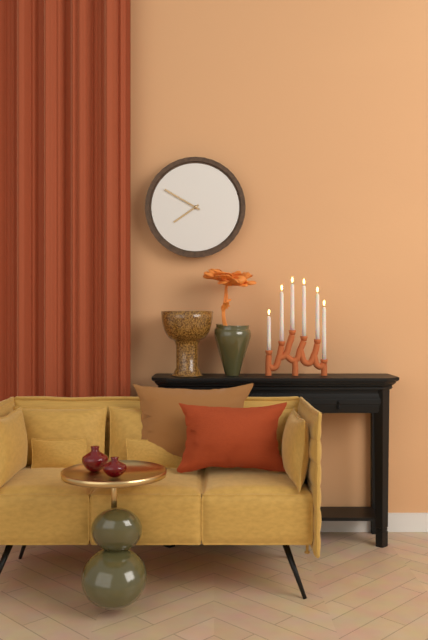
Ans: h=7 m=50
